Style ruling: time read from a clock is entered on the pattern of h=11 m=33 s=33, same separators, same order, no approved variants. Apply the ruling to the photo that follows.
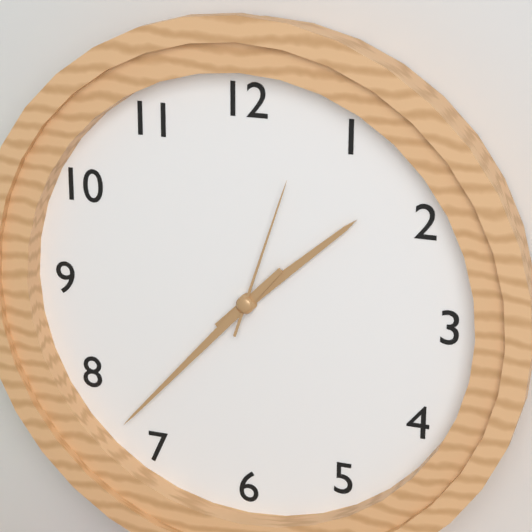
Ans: h=1 m=37 s=3
